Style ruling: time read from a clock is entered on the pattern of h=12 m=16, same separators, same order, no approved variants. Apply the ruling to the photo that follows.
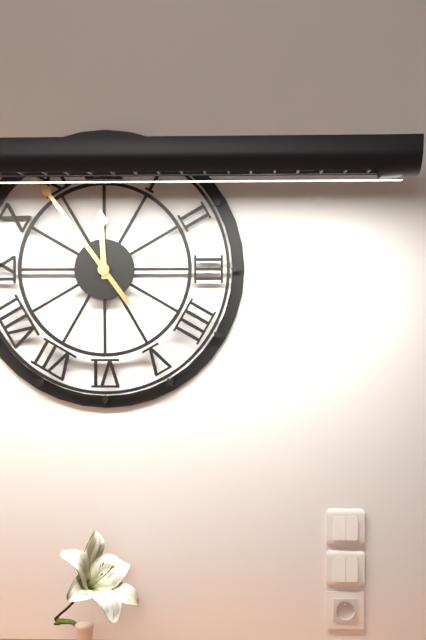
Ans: h=11 m=54
